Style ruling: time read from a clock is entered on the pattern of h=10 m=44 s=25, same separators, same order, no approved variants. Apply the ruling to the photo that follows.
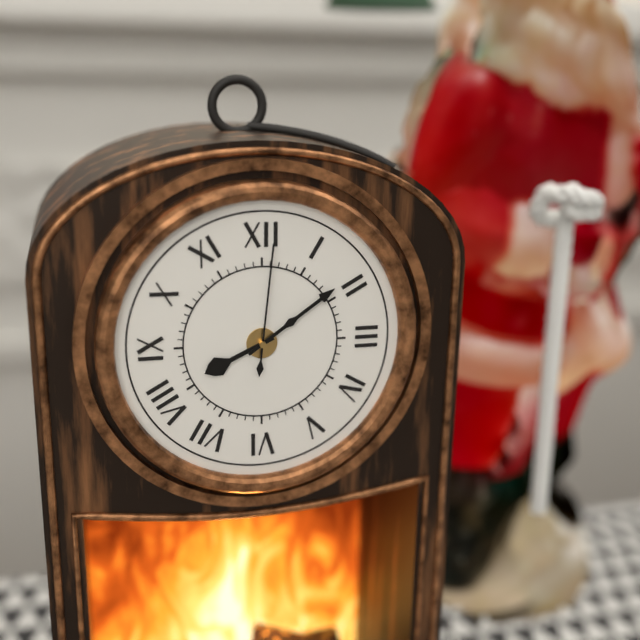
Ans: h=8 m=9 s=1
